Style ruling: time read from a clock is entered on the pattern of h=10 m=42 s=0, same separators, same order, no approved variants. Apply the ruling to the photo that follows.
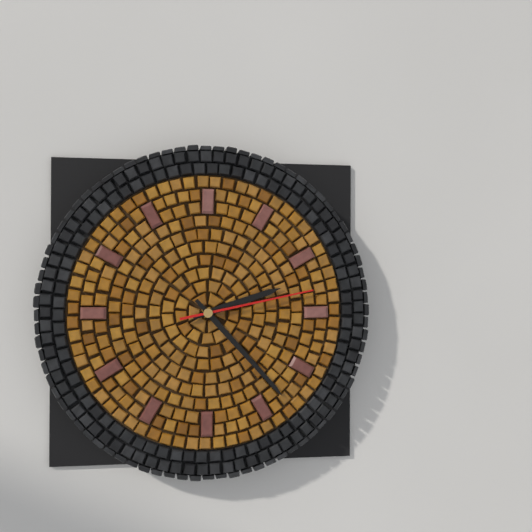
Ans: h=2 m=23 s=13
